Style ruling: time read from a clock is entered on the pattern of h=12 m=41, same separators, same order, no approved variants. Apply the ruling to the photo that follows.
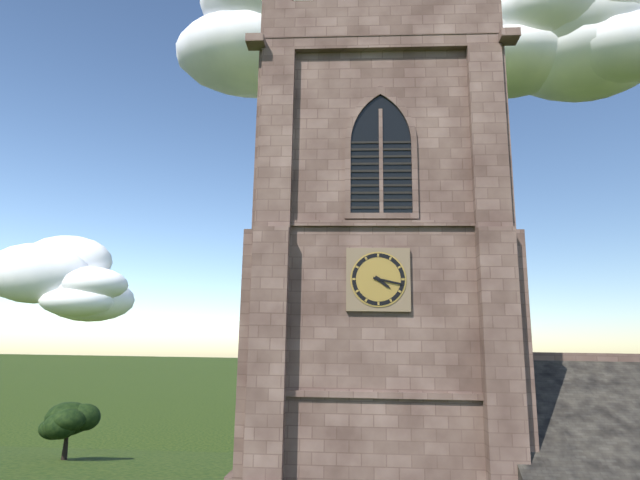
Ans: h=4 m=17
